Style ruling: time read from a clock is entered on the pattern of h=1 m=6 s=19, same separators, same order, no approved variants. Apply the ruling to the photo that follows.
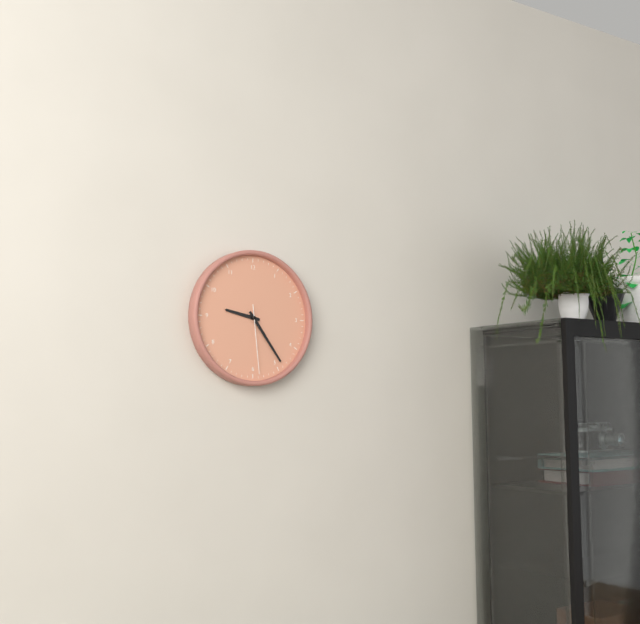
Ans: h=9 m=24 s=29
